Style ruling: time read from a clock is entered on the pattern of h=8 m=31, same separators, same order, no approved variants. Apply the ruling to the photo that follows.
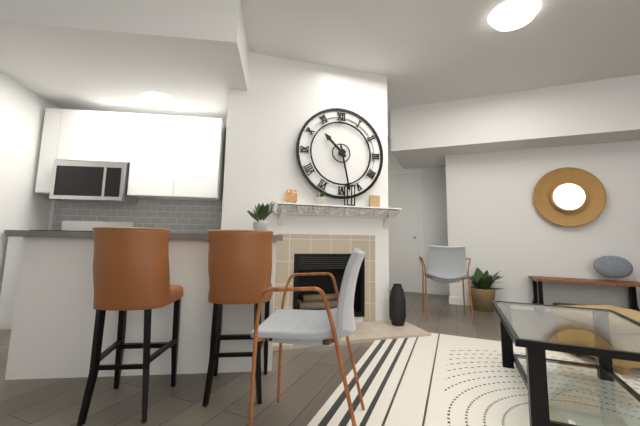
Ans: h=10 m=28
